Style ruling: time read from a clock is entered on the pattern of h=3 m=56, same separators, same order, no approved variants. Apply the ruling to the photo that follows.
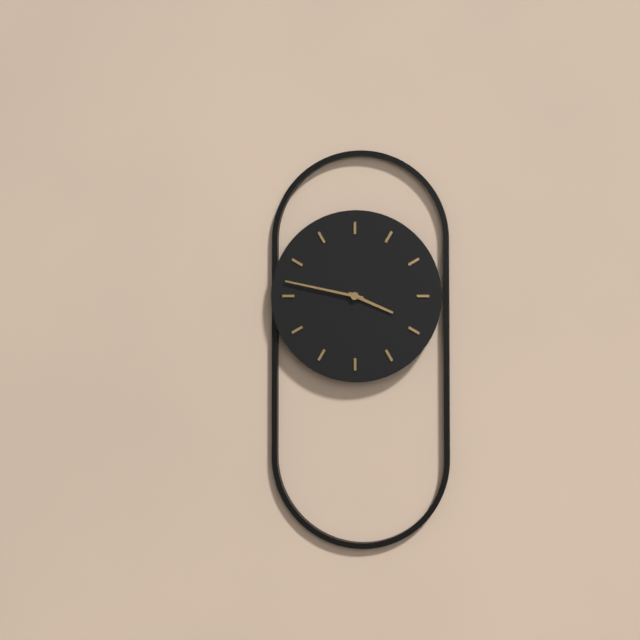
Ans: h=3 m=47
